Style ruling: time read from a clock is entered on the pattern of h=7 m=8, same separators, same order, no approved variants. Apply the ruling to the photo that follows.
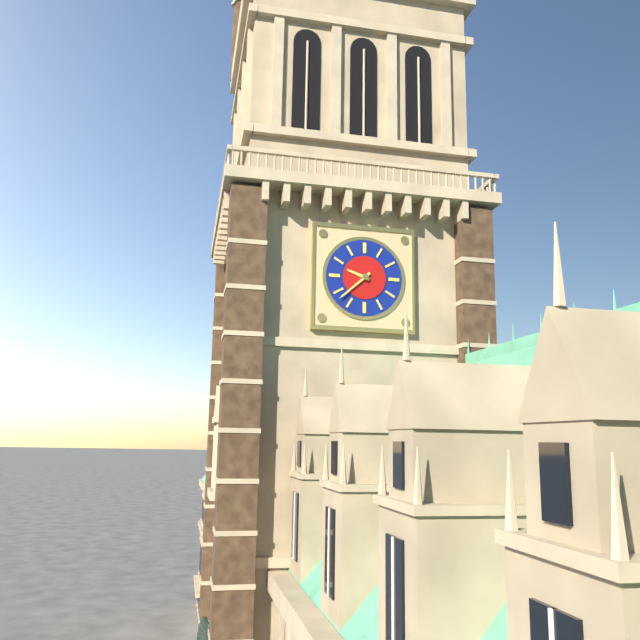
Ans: h=9 m=38
